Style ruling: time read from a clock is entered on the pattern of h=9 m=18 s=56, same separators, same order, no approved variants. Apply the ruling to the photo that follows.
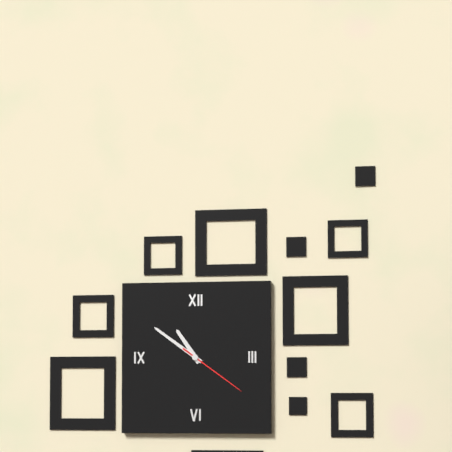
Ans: h=10 m=51 s=21
